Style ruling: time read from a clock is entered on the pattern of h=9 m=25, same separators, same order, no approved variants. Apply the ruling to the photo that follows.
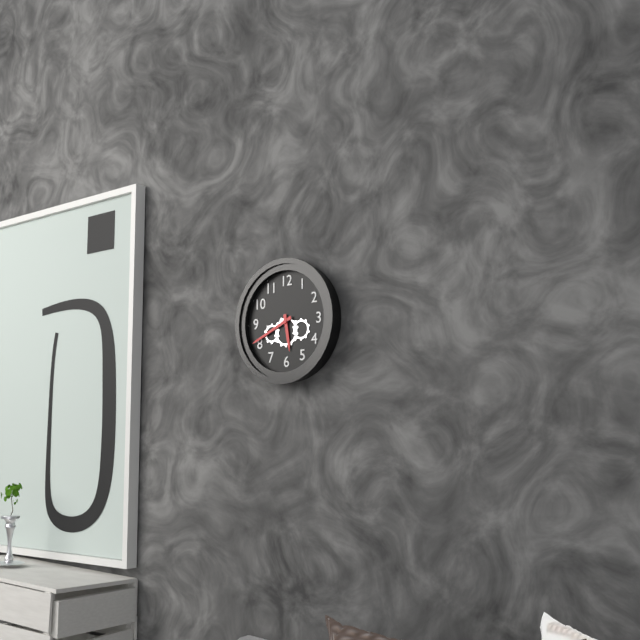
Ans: h=5 m=41
